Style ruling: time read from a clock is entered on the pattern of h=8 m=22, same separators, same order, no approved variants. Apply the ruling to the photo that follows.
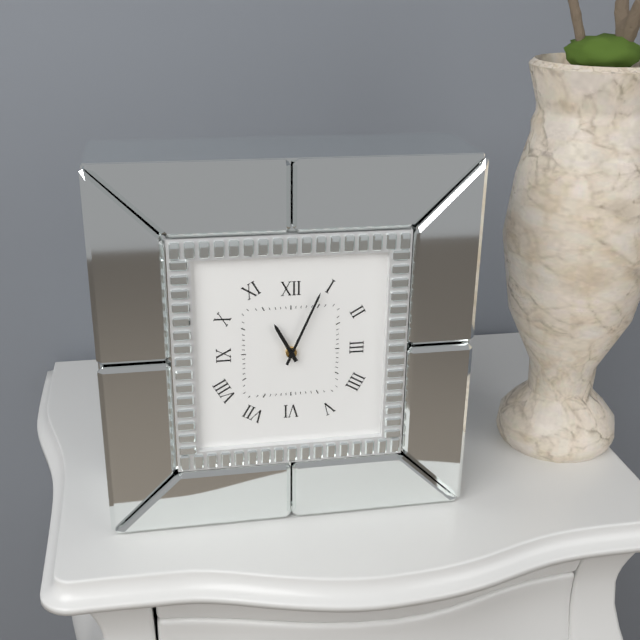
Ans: h=11 m=4
